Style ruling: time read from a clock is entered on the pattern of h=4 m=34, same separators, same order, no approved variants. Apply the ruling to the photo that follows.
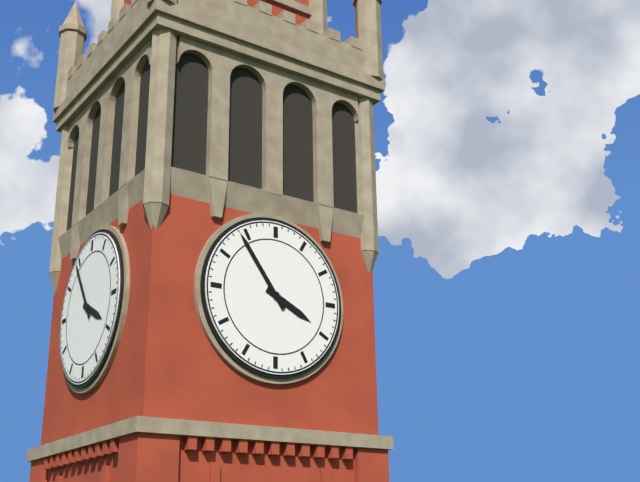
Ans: h=3 m=54
